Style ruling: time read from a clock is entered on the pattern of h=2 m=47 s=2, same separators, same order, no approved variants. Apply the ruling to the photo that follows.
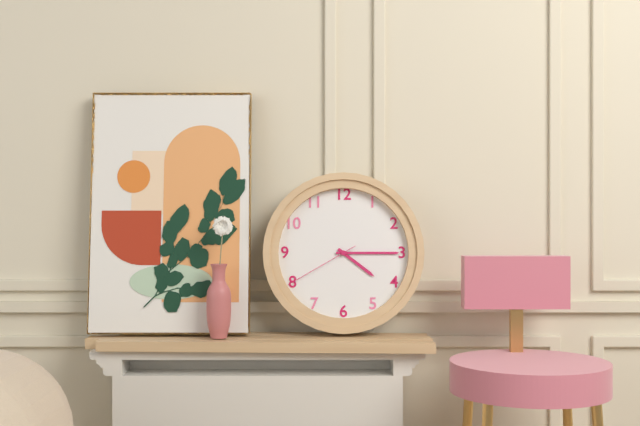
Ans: h=4 m=15 s=40
